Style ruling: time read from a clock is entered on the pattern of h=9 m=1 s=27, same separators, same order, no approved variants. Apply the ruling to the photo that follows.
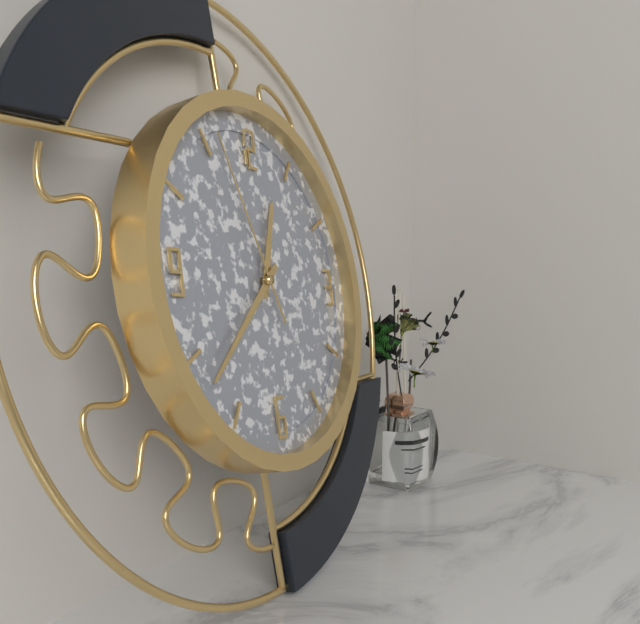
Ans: h=12 m=38 s=56
